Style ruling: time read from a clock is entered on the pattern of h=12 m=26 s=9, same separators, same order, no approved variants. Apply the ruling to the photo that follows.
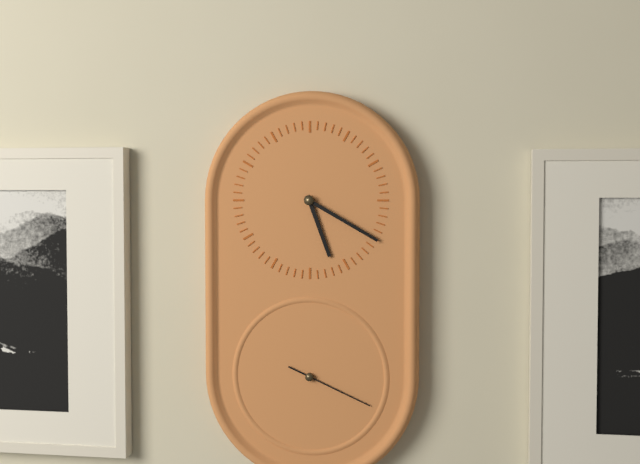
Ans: h=5 m=20 s=19
